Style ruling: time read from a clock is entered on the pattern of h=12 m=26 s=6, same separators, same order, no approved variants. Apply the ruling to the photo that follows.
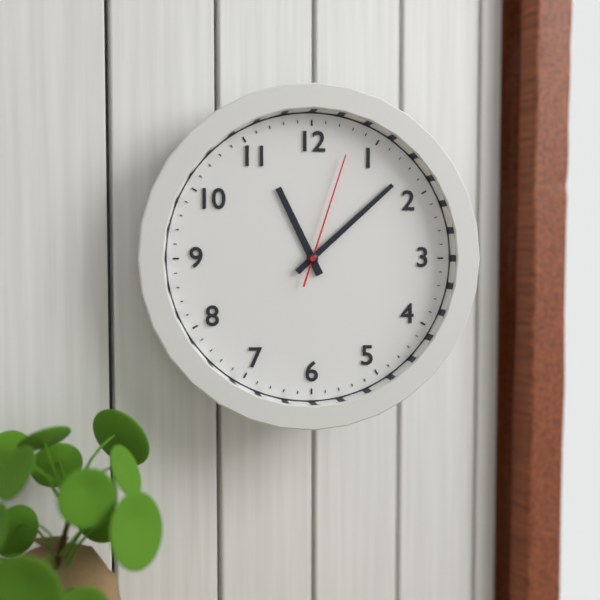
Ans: h=11 m=8 s=3
